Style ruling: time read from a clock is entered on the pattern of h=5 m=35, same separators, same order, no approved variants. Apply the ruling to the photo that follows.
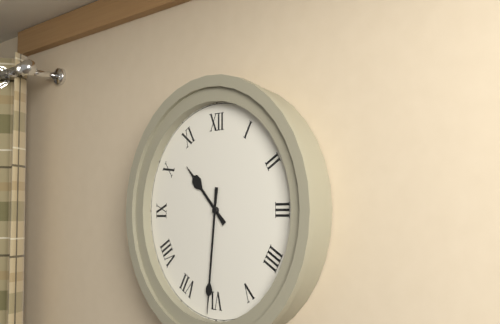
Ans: h=10 m=31
